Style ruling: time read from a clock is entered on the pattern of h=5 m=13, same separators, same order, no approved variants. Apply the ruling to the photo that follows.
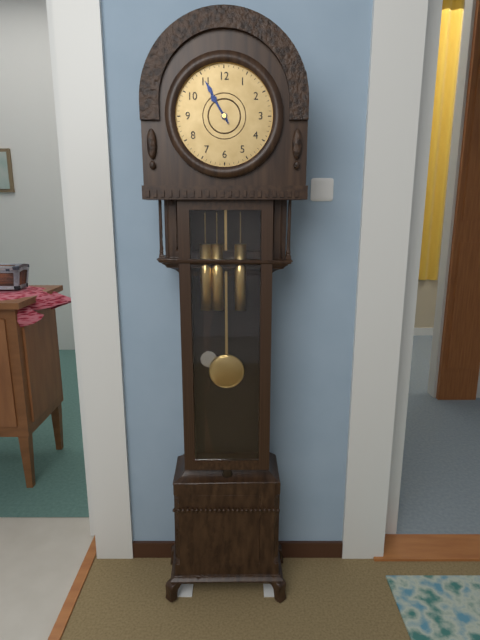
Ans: h=10 m=55
